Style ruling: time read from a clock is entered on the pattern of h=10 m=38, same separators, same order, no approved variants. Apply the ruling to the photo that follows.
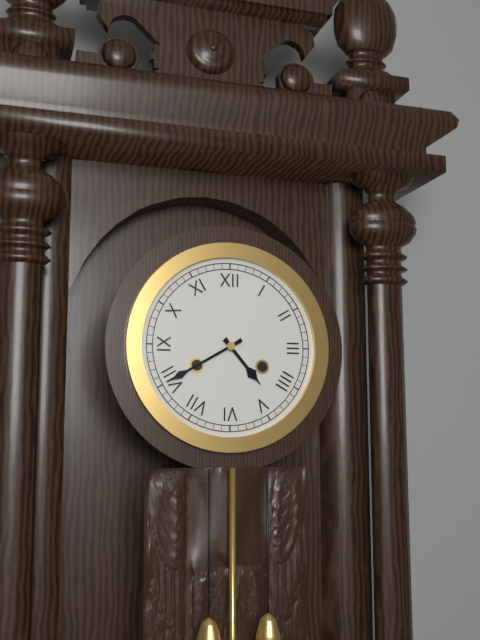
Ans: h=4 m=40
